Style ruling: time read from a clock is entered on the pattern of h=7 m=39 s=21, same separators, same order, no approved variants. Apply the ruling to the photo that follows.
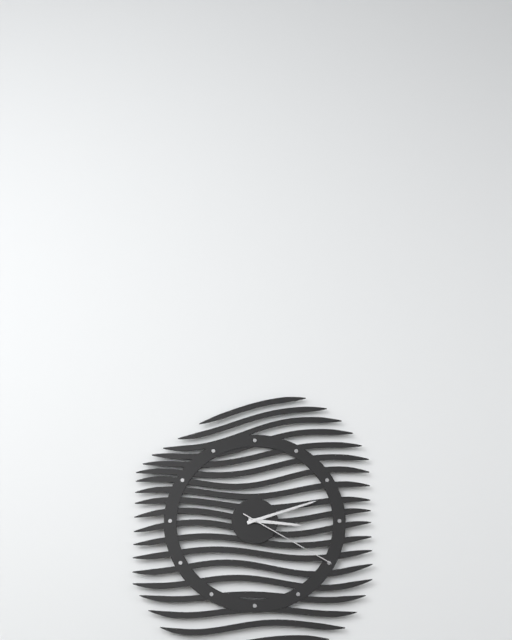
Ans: h=3 m=12 s=20
